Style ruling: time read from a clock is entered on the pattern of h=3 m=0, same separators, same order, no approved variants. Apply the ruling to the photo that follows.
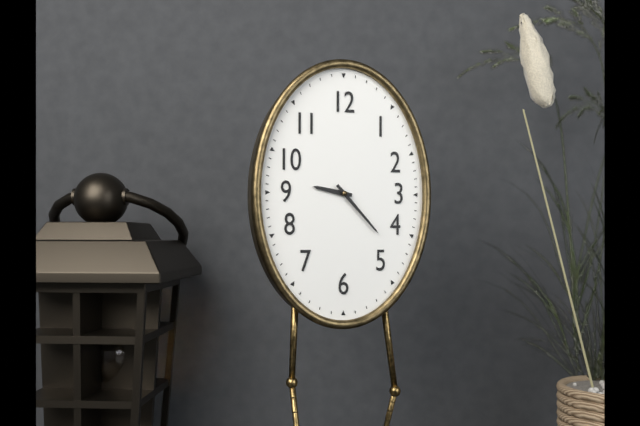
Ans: h=9 m=23
